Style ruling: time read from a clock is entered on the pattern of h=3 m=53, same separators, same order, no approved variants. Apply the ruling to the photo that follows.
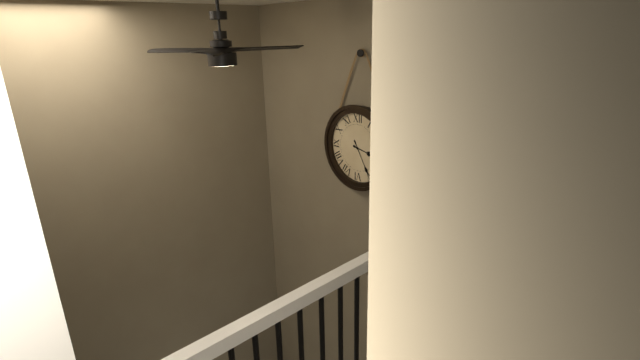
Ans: h=3 m=25
